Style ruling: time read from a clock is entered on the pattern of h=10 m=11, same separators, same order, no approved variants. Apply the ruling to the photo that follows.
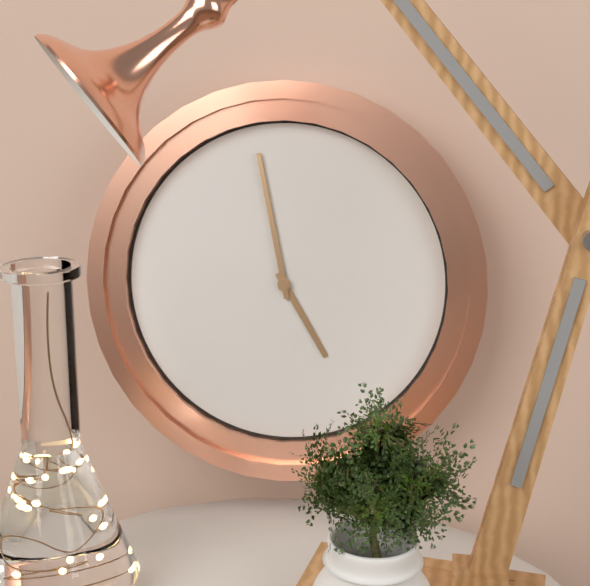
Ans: h=4 m=58
